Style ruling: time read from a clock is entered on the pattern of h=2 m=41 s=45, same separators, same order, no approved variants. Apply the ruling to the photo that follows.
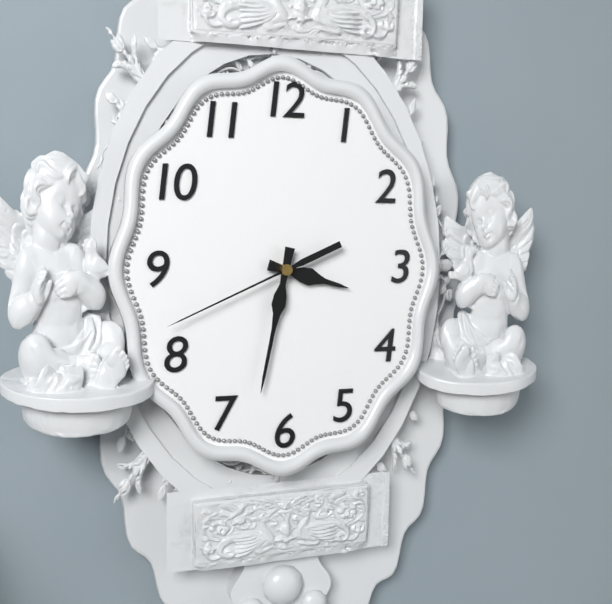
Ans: h=3 m=32 s=41
